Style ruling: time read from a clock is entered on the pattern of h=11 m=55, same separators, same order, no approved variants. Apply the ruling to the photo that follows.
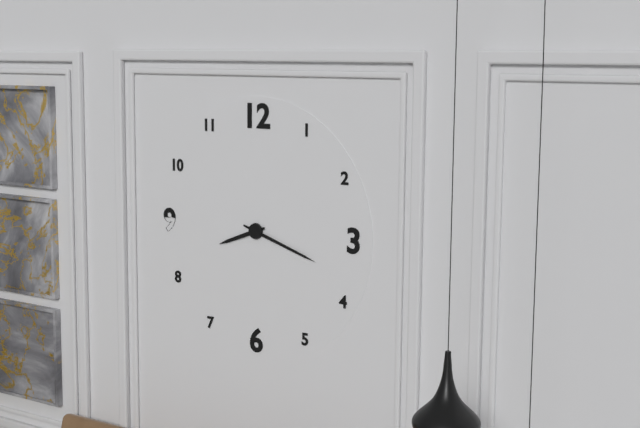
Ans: h=8 m=18
